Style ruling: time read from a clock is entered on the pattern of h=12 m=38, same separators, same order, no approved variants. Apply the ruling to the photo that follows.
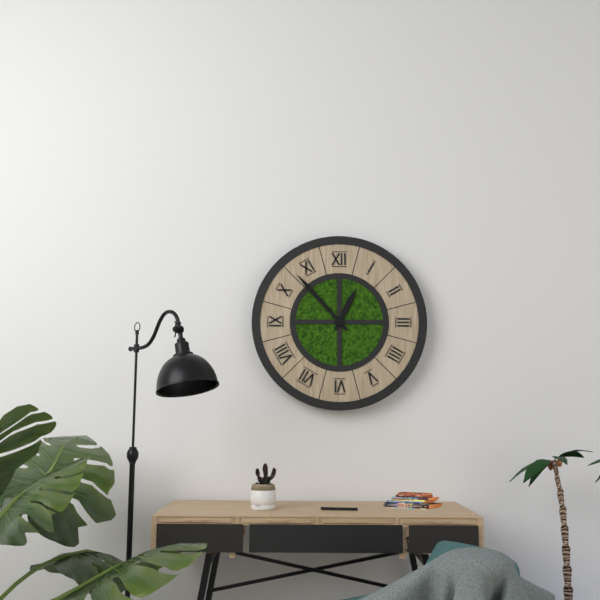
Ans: h=12 m=53
